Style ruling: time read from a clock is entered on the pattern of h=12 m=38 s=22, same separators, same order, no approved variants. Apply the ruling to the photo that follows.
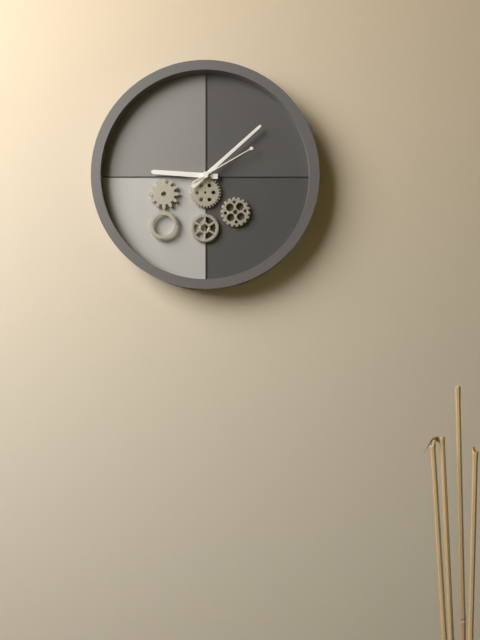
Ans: h=9 m=8 s=10
